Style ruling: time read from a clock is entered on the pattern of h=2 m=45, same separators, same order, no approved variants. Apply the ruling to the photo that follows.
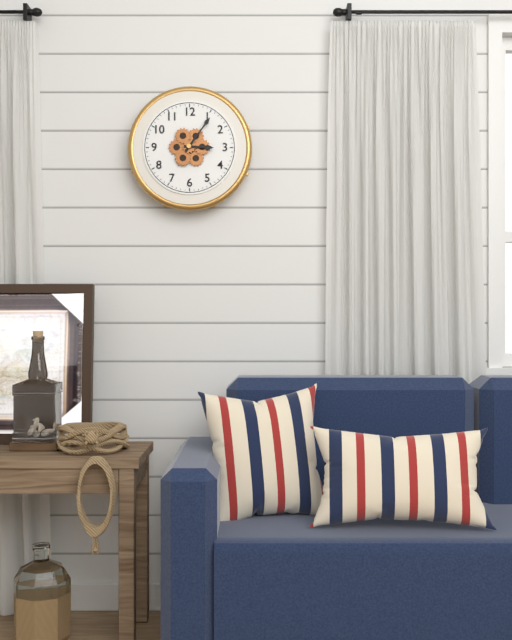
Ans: h=3 m=6
